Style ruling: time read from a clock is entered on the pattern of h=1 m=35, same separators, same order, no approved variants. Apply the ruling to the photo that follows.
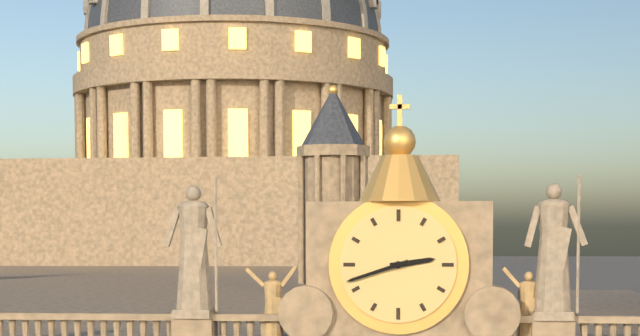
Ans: h=2 m=42
